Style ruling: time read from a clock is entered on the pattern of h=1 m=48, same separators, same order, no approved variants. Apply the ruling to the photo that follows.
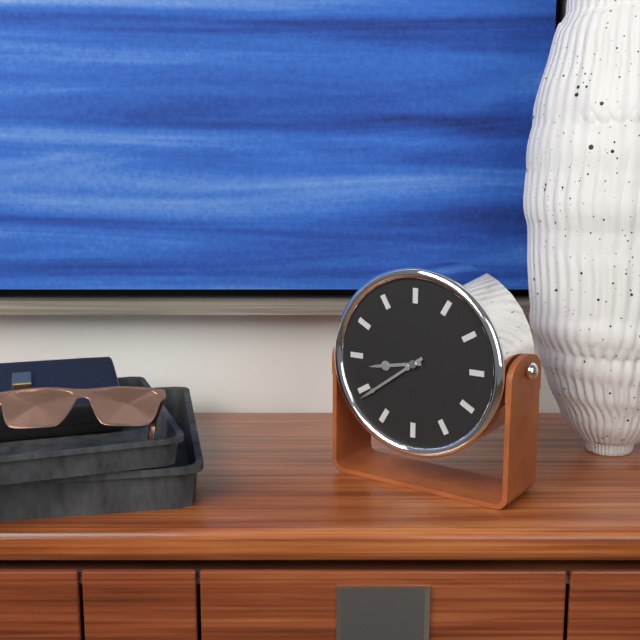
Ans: h=8 m=39
